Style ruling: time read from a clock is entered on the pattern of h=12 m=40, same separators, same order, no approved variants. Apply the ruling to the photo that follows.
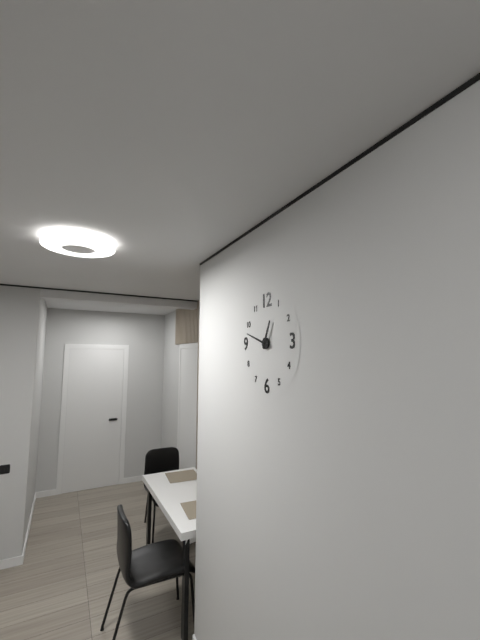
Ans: h=12 m=48
